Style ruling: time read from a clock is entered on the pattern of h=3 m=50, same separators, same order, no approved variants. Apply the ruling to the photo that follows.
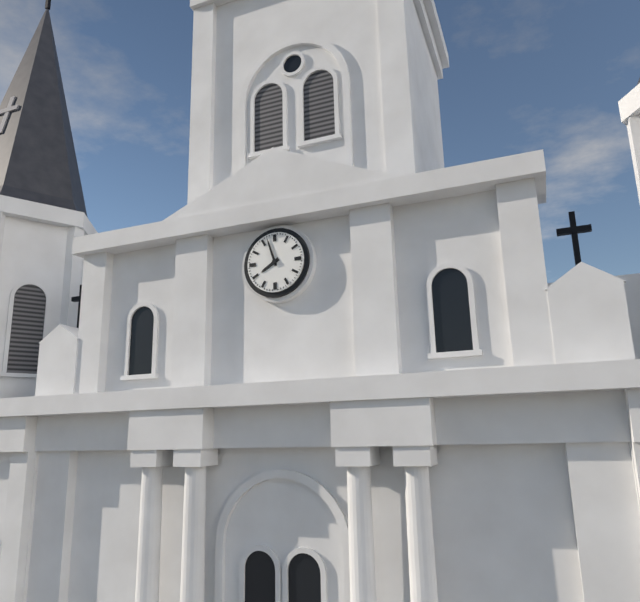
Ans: h=7 m=57
